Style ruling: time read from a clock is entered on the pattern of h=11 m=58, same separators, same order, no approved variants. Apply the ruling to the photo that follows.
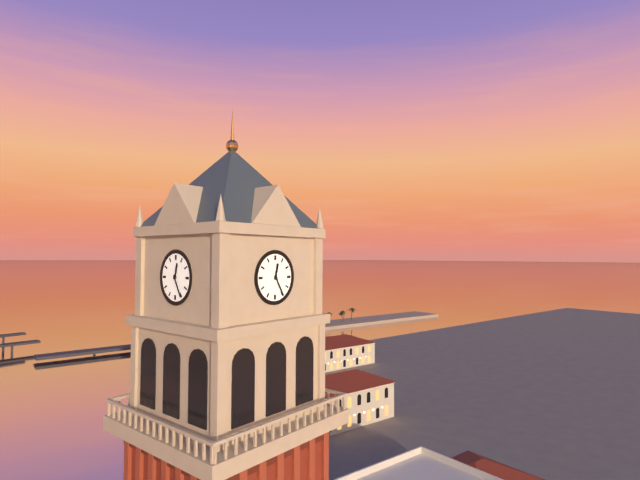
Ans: h=12 m=25
